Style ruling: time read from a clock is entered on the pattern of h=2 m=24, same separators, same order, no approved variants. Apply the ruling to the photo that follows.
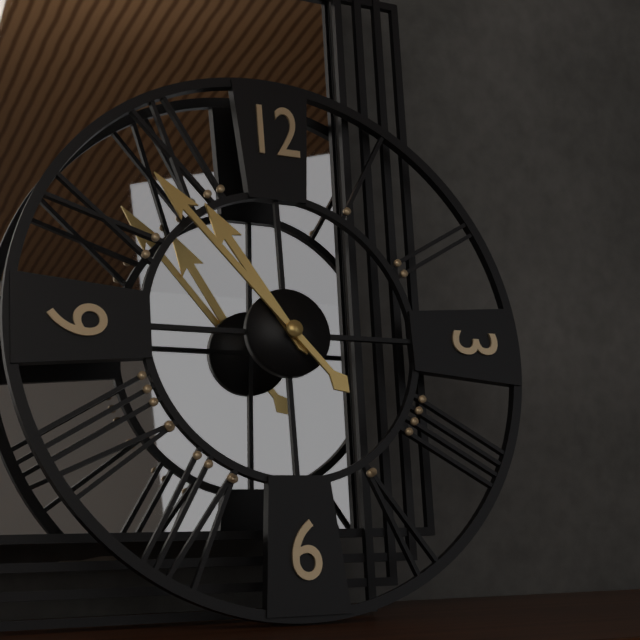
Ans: h=10 m=53
